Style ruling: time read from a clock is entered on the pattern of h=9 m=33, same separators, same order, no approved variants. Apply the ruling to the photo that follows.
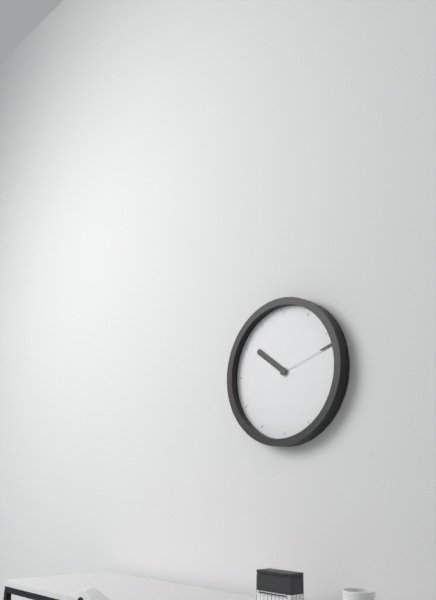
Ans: h=10 m=12
